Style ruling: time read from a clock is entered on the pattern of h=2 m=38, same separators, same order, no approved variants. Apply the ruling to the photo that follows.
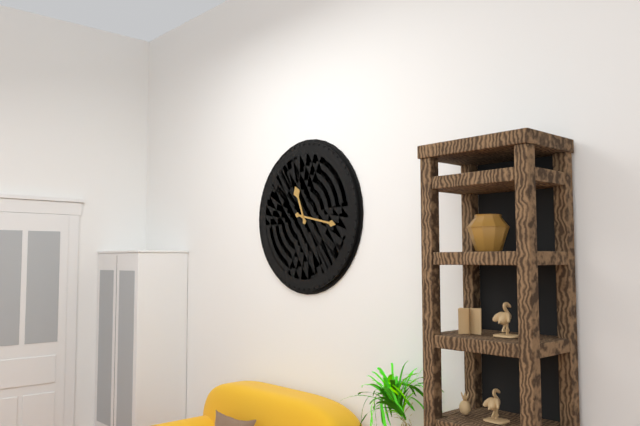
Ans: h=11 m=17
